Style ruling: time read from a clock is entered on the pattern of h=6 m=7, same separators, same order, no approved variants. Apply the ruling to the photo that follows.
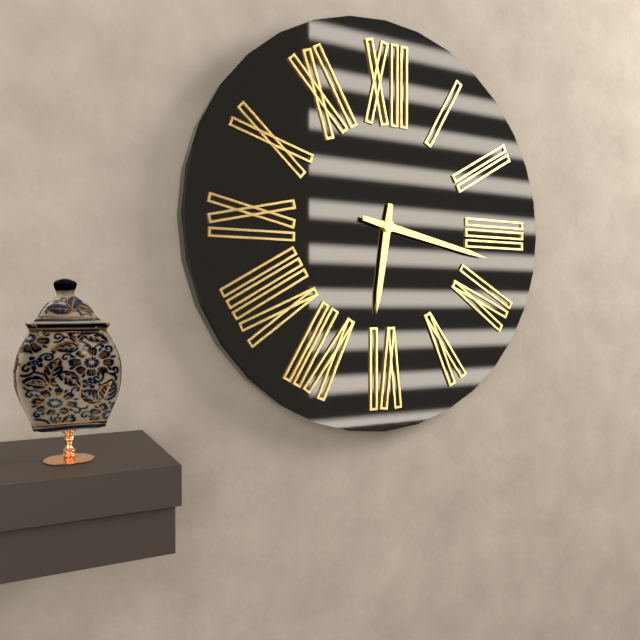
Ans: h=6 m=17
